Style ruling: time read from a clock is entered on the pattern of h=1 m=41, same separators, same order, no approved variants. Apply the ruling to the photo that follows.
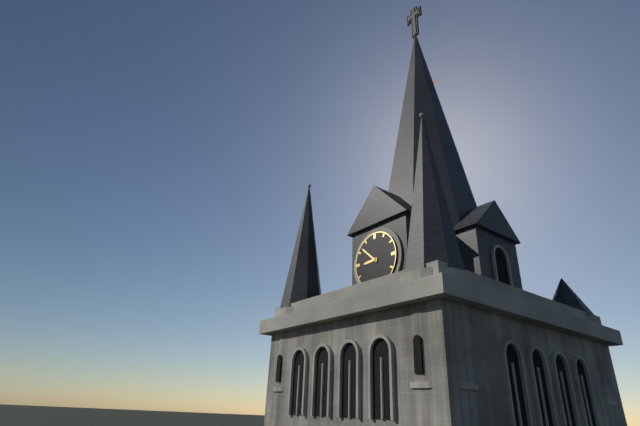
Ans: h=8 m=52
